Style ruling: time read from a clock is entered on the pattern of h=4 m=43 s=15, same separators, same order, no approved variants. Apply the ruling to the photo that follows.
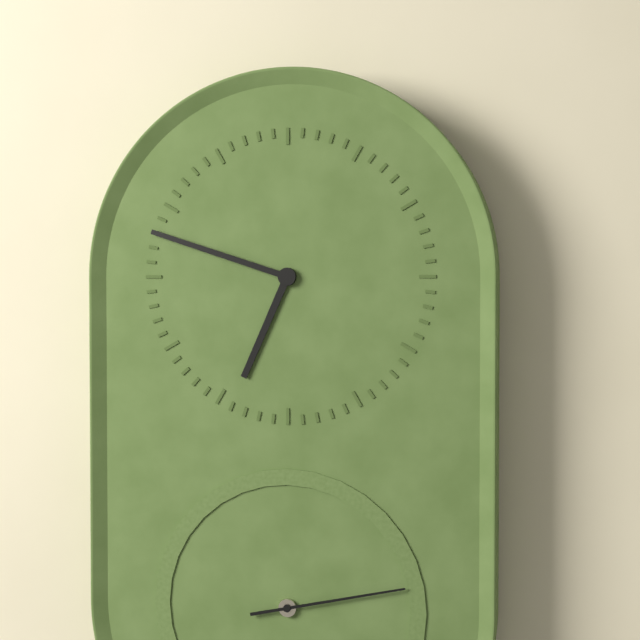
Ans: h=6 m=48 s=13
